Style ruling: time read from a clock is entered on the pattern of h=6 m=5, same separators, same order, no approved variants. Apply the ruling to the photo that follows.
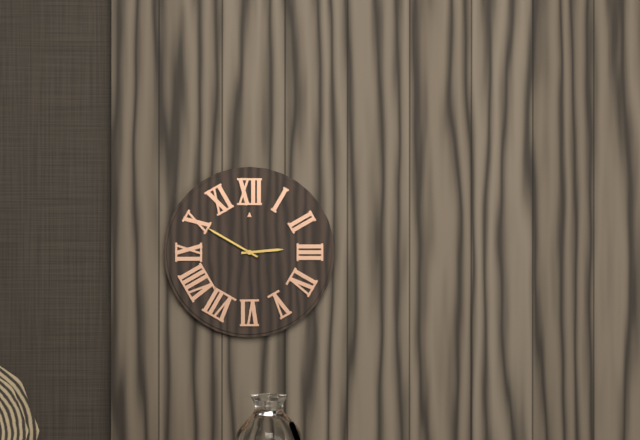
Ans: h=2 m=50
